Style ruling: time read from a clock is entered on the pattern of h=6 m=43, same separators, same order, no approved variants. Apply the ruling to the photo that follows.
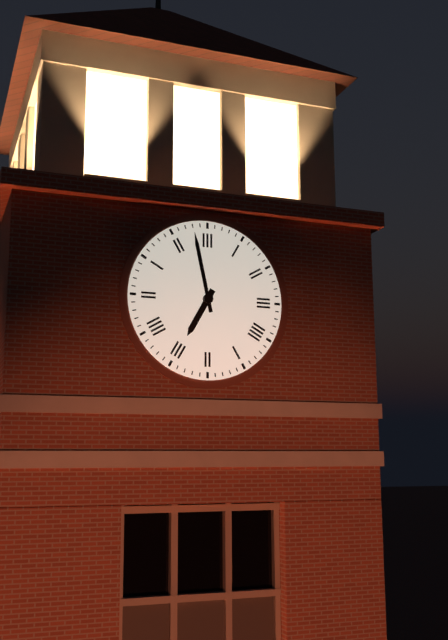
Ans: h=6 m=58
